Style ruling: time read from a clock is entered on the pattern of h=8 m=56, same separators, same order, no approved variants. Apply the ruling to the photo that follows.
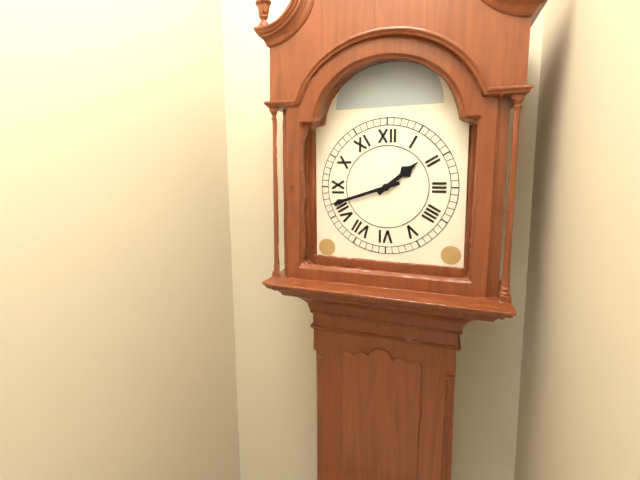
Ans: h=1 m=42
